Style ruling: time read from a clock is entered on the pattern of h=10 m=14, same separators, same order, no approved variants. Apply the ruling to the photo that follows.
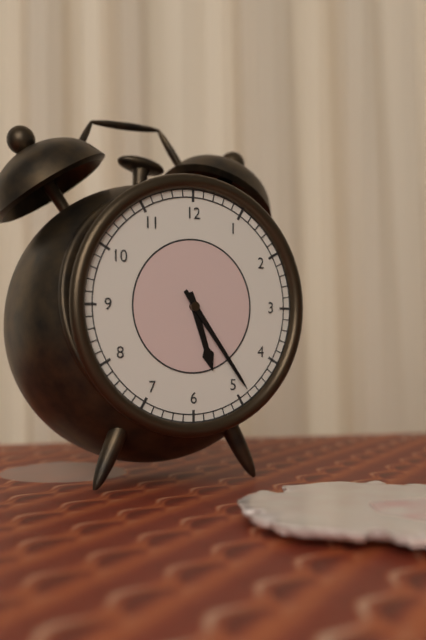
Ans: h=5 m=24
